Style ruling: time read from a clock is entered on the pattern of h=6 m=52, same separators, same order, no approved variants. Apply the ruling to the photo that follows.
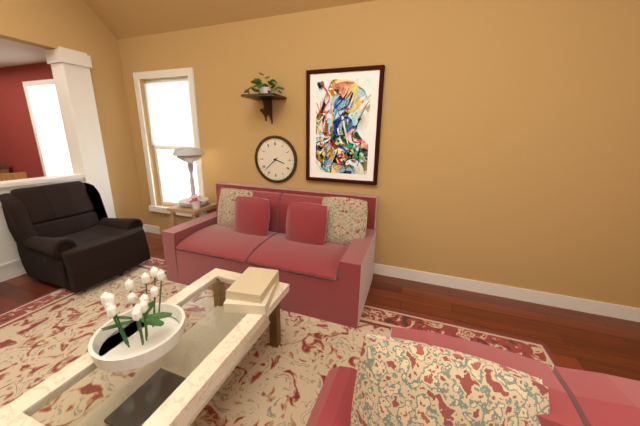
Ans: h=3 m=38
